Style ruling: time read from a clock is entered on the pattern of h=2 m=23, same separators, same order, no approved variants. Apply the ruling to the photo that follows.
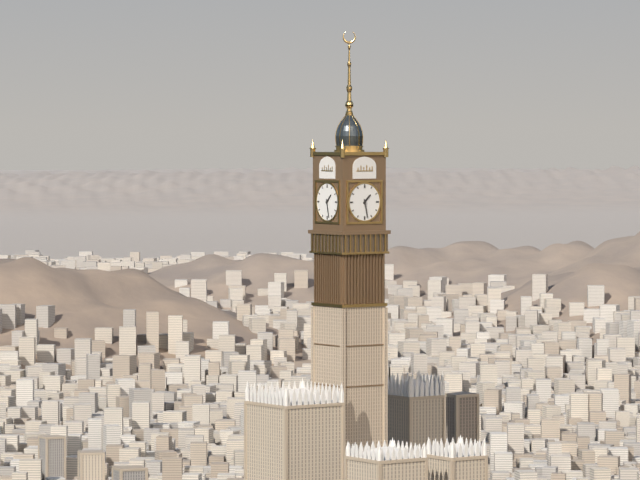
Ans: h=1 m=28
